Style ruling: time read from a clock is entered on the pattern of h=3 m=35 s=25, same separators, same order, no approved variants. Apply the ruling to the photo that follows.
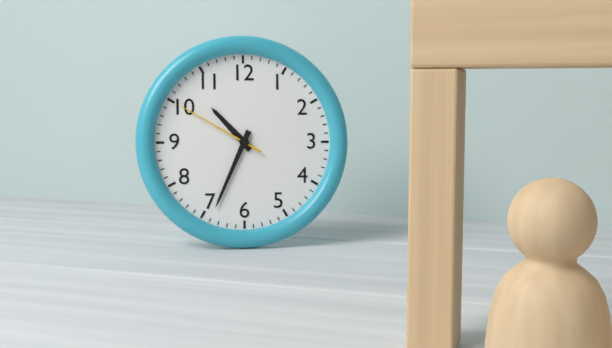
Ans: h=10 m=34 s=50
